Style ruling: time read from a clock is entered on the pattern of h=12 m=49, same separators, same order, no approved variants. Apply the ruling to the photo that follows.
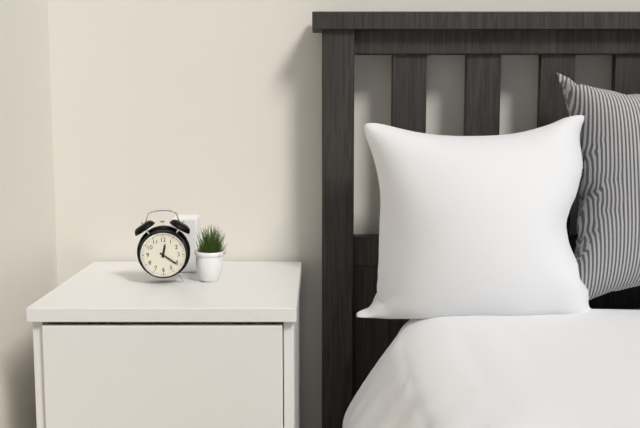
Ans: h=12 m=21
